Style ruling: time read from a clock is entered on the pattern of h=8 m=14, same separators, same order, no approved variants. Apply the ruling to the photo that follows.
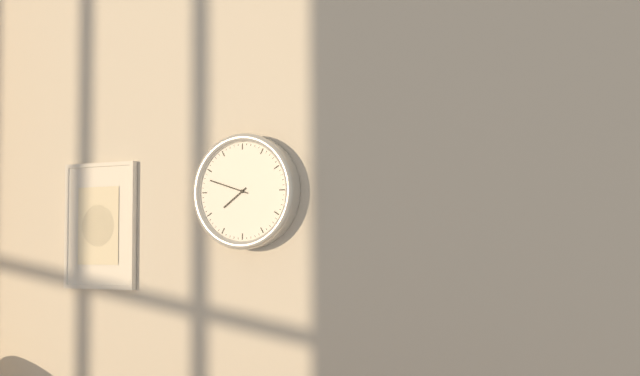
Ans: h=7 m=48
